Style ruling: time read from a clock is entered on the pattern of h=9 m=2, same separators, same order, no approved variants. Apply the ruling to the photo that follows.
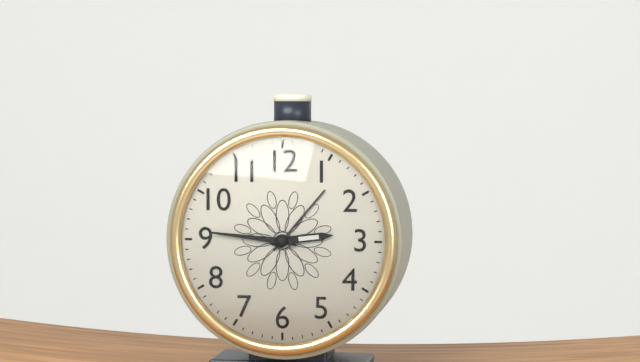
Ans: h=2 m=46
